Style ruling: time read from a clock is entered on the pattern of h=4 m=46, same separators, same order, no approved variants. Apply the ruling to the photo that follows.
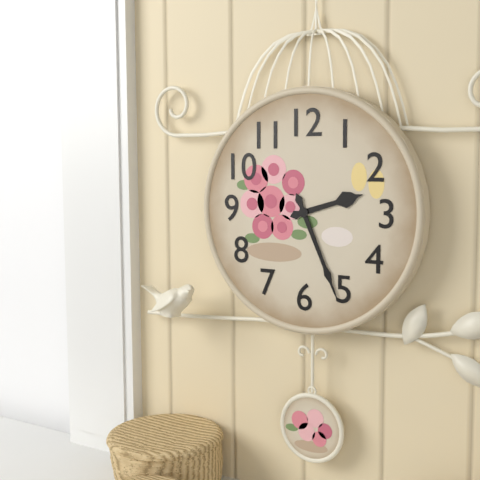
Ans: h=2 m=26
